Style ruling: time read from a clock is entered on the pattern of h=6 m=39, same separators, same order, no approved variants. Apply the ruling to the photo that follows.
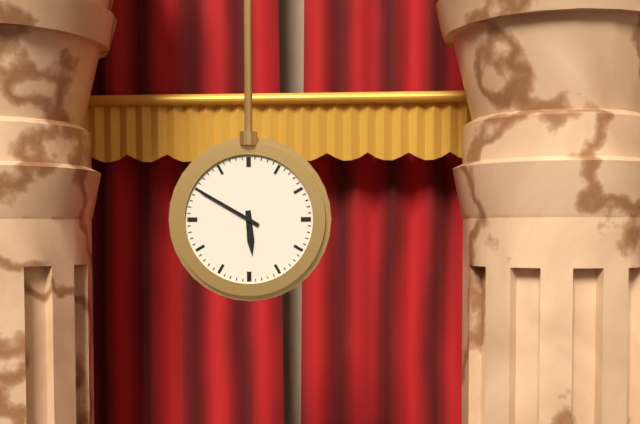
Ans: h=5 m=50
